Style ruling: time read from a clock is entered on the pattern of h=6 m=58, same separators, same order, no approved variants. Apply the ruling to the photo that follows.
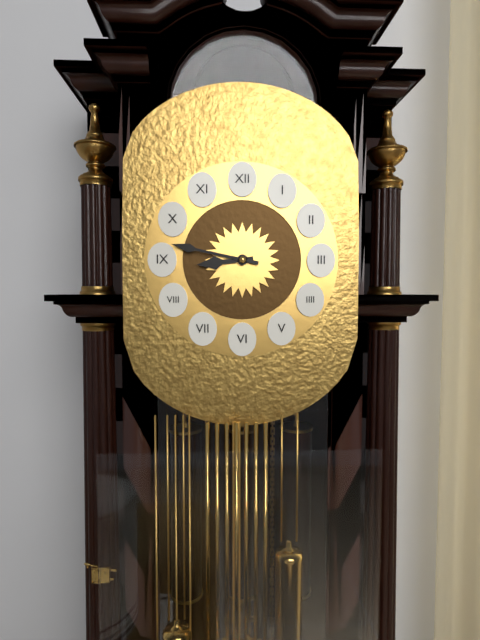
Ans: h=8 m=47
